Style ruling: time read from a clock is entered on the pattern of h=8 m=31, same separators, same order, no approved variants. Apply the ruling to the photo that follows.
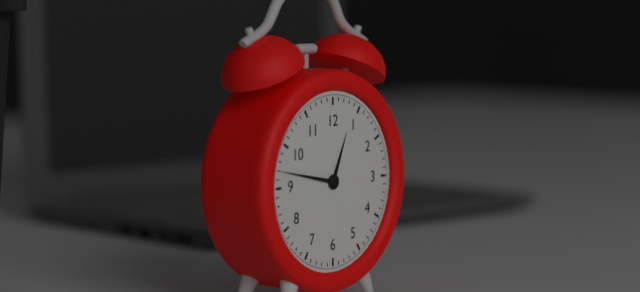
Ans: h=12 m=47
